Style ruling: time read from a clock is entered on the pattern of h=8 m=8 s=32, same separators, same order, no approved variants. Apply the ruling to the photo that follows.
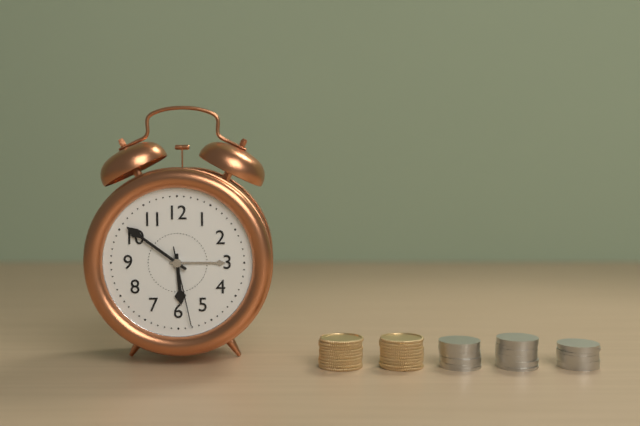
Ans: h=5 m=51 s=28
